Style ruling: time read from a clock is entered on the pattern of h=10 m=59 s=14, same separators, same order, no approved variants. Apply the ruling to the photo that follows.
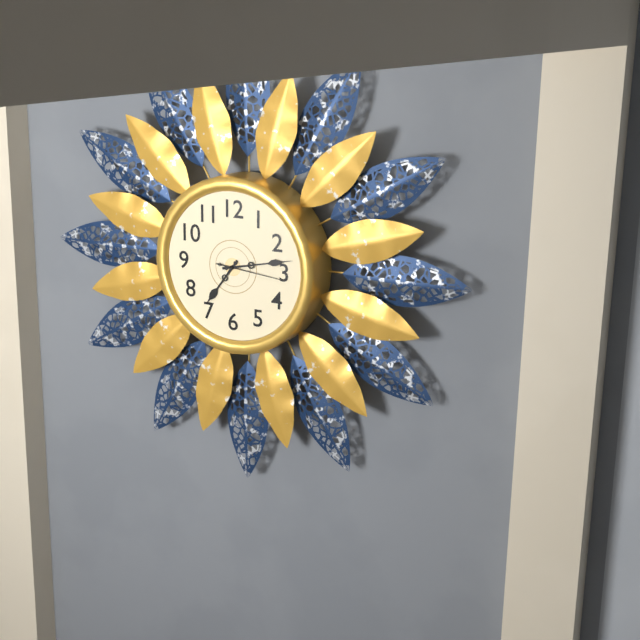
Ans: h=7 m=13 s=16
